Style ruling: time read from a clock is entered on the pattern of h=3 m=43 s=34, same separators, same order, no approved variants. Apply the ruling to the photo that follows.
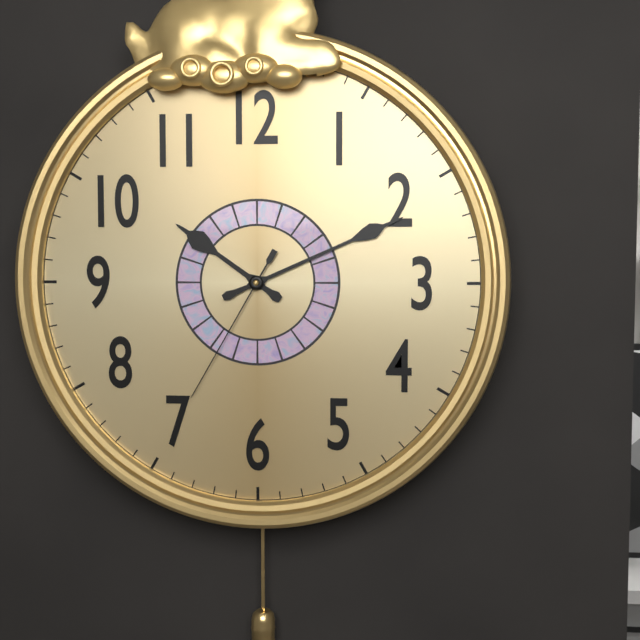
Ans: h=10 m=11 s=35
